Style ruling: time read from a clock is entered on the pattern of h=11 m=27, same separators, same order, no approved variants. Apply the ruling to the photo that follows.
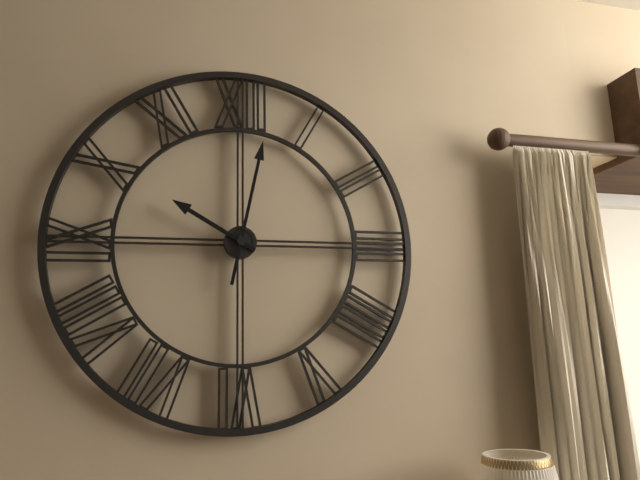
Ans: h=10 m=2
